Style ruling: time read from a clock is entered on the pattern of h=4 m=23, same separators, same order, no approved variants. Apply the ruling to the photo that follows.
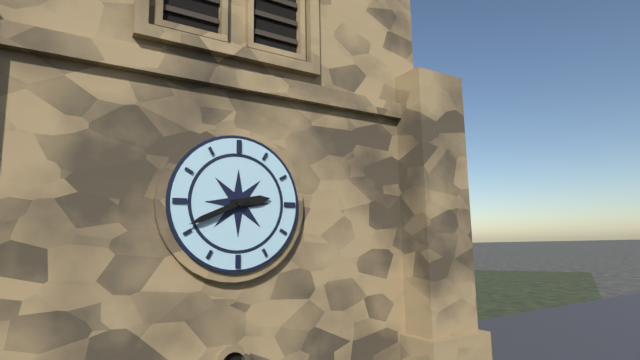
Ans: h=2 m=41
